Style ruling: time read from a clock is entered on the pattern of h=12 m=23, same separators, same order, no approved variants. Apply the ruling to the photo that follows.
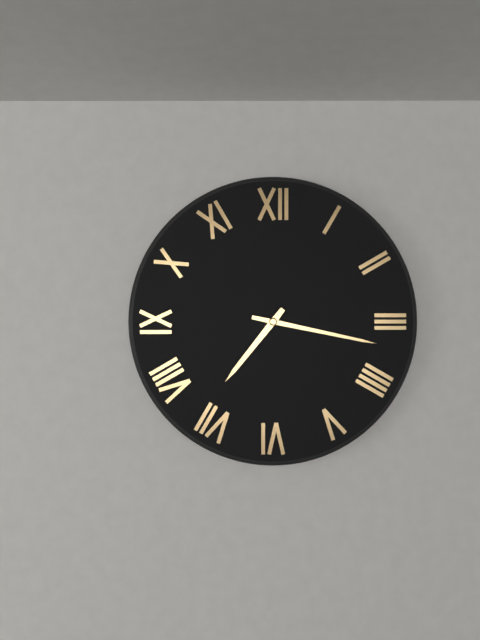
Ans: h=7 m=17
